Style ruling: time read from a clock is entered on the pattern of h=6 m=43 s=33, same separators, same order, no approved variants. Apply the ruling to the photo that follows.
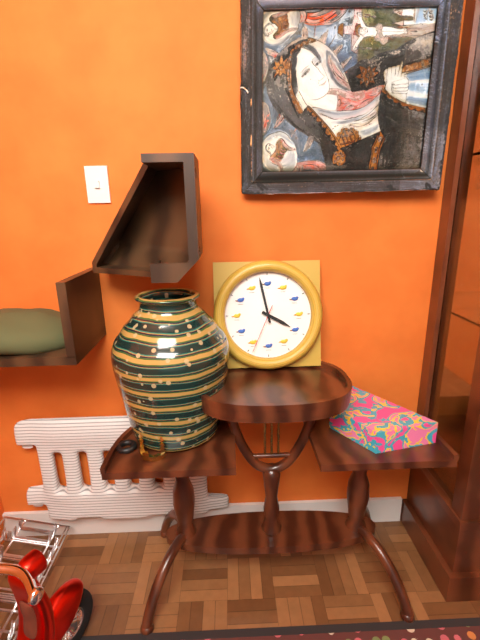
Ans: h=3 m=58 s=34
